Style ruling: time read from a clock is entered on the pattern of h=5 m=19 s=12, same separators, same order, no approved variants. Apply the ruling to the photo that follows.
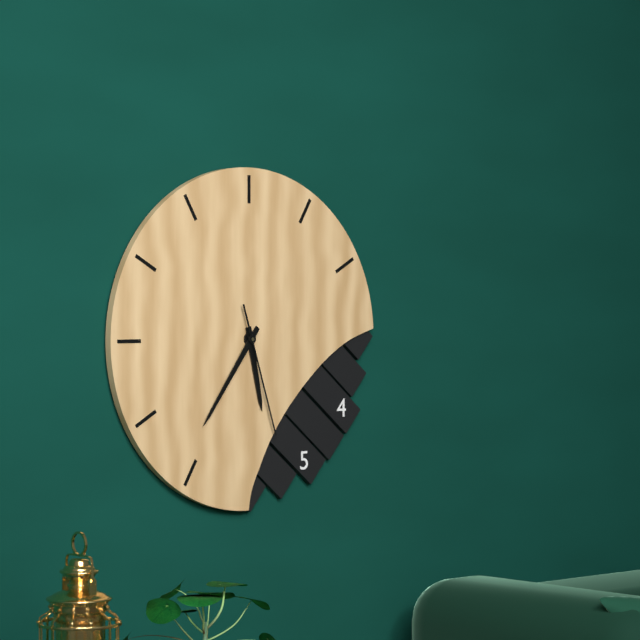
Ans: h=5 m=36 s=27
